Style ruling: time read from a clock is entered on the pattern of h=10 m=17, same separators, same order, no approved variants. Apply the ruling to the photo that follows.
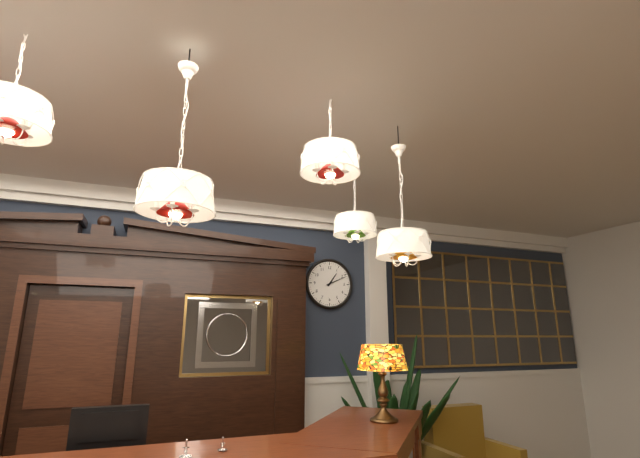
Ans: h=1 m=11
